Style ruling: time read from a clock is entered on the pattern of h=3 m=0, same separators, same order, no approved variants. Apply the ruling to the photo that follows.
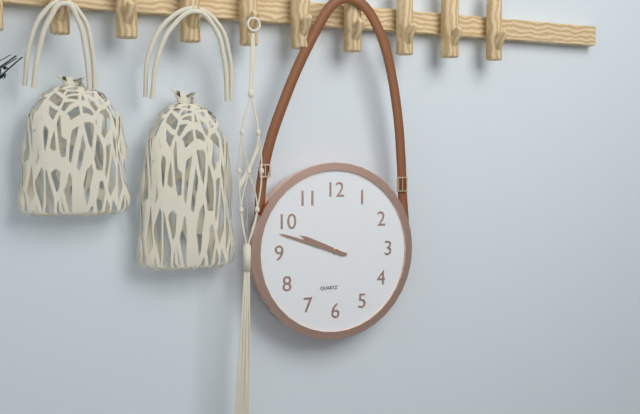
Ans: h=9 m=48
